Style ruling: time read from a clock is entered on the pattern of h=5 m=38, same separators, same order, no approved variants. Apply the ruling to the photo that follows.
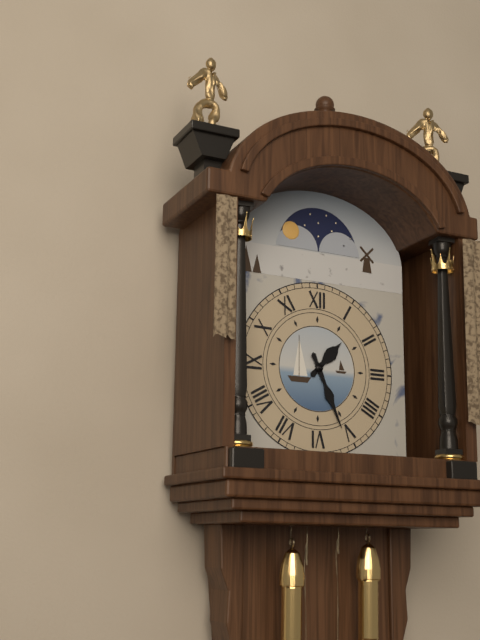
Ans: h=1 m=26
